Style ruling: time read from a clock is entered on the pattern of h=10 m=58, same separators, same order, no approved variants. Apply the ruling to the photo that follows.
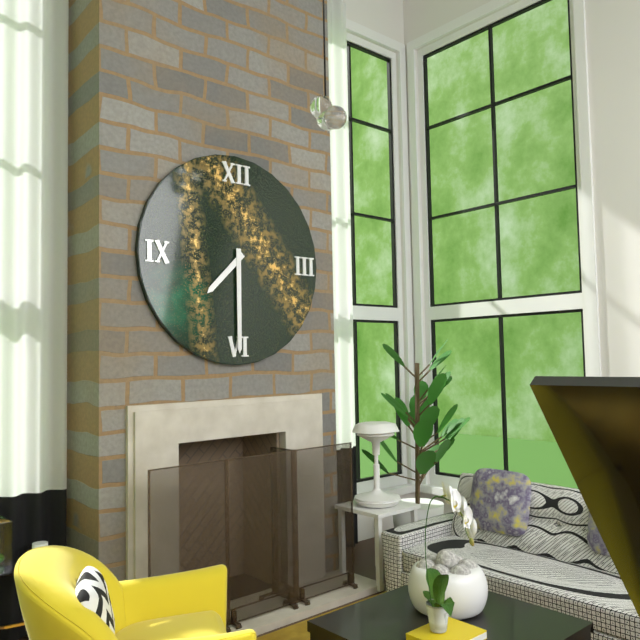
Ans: h=7 m=30
